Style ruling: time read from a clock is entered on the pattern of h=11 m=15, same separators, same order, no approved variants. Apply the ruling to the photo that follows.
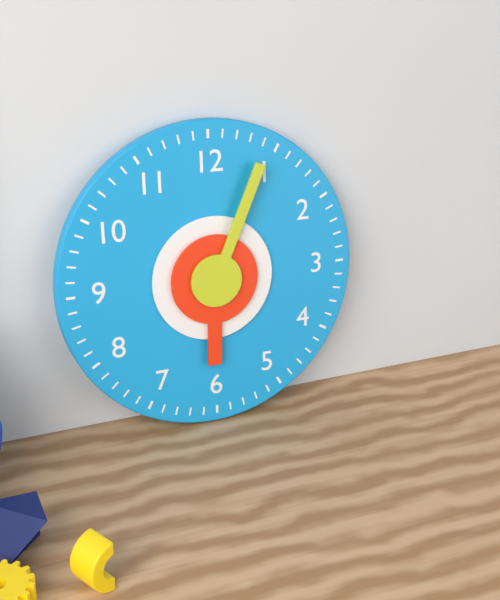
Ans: h=6 m=4
